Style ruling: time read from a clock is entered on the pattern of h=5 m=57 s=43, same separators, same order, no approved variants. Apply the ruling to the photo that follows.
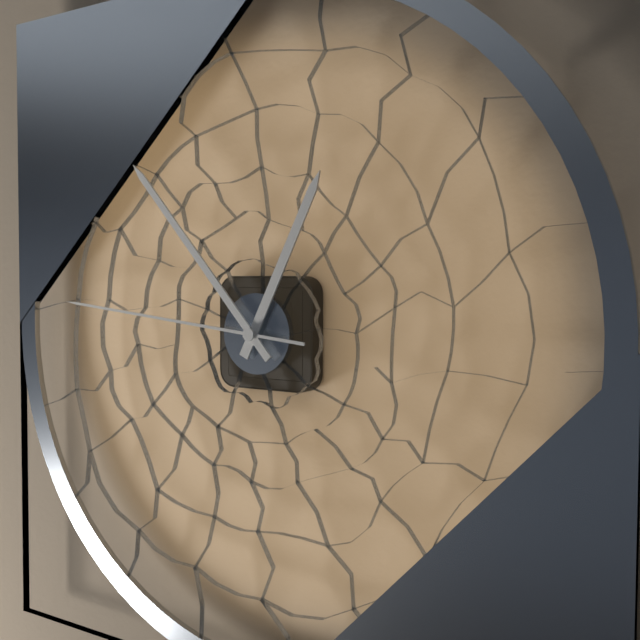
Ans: h=12 m=53 s=46
